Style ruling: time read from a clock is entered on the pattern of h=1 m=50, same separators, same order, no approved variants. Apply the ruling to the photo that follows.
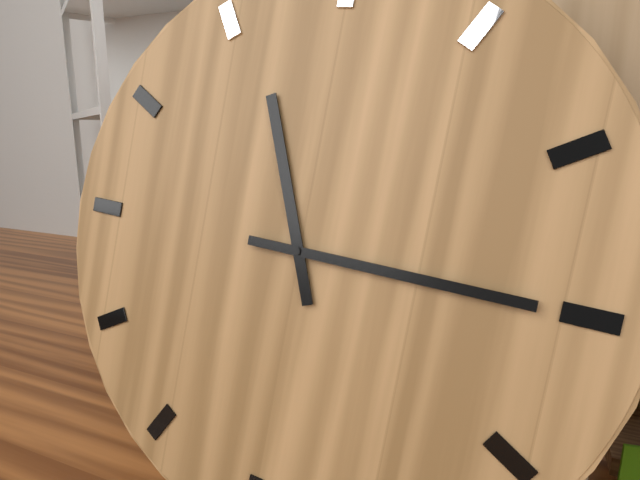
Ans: h=11 m=15
